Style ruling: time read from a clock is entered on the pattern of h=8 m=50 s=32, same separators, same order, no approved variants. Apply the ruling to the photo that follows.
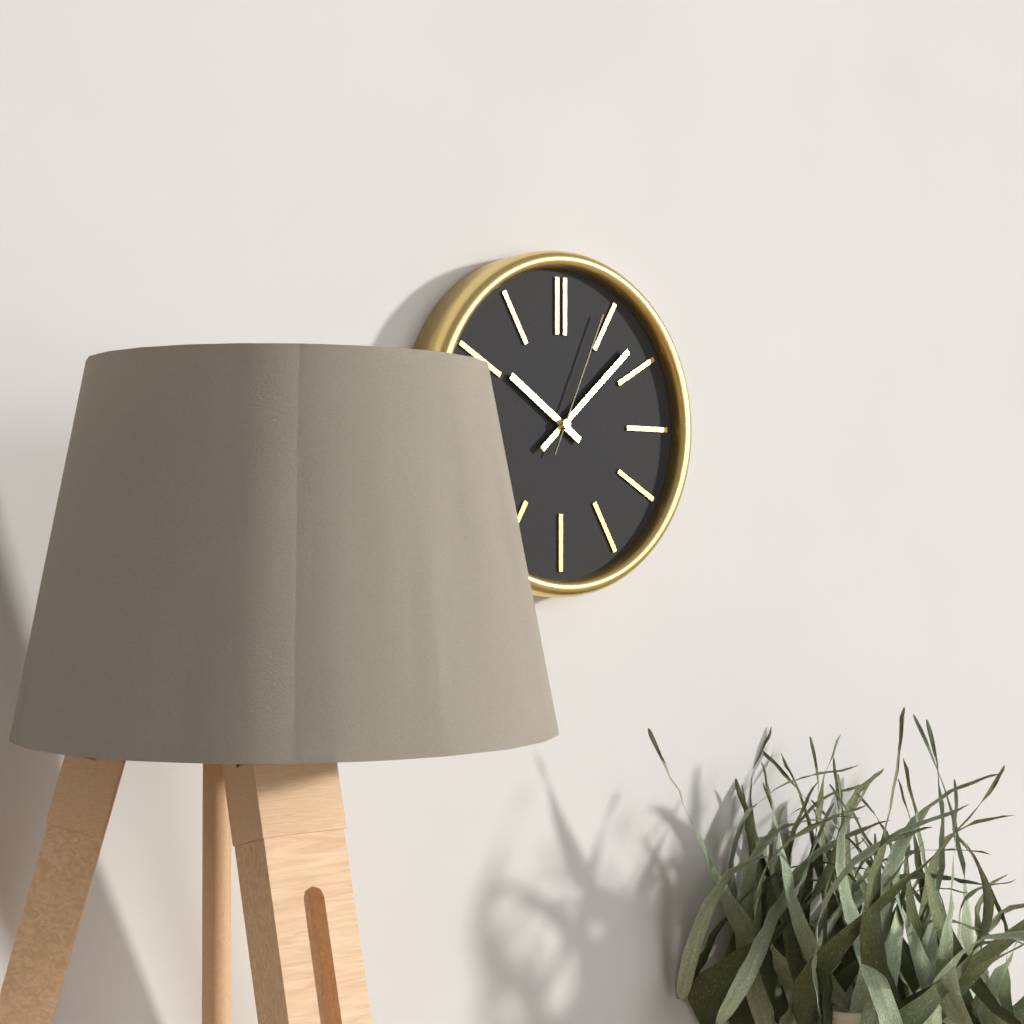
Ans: h=10 m=8 s=4
